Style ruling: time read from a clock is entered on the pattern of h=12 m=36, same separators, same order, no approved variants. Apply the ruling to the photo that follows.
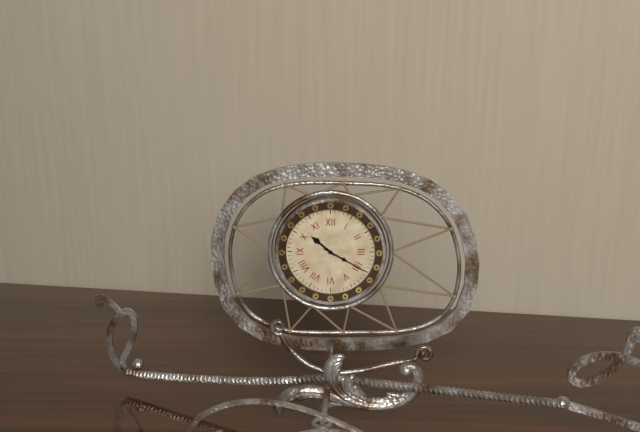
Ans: h=10 m=20
